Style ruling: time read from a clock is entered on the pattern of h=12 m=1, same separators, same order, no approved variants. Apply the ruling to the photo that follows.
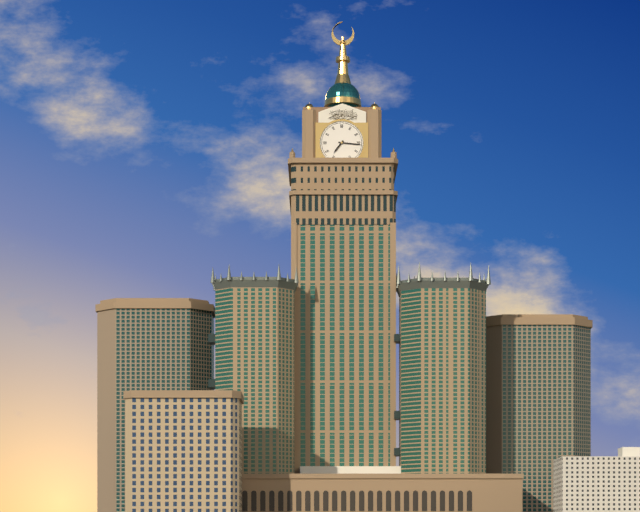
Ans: h=7 m=16
